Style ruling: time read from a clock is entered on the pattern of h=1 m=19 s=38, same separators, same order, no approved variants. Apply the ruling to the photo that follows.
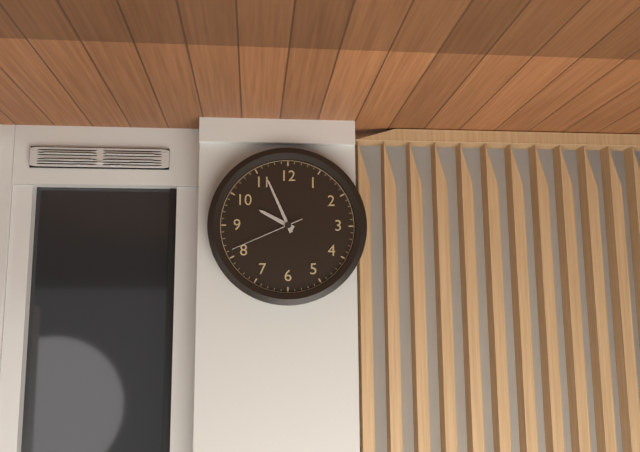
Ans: h=9 m=56 s=41
